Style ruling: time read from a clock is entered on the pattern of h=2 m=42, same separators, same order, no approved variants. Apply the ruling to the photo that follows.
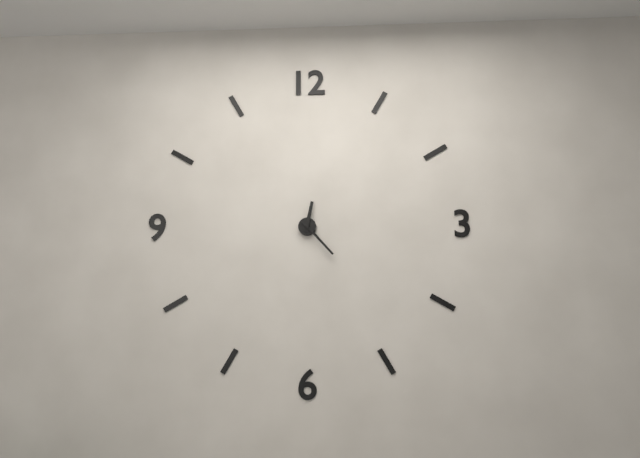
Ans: h=12 m=23
